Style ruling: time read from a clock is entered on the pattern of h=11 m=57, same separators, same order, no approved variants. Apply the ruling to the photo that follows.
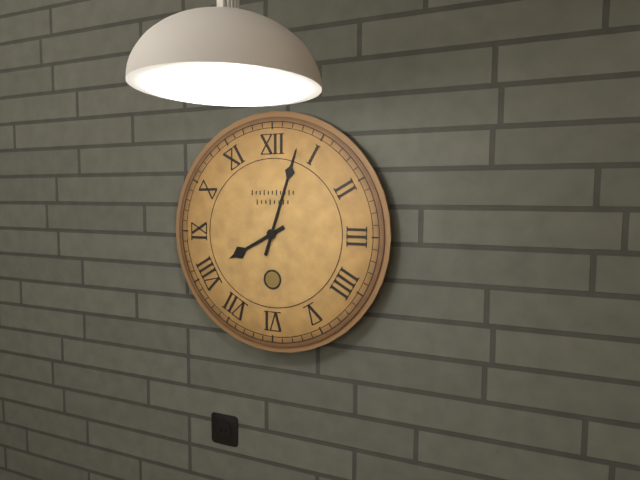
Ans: h=8 m=3
